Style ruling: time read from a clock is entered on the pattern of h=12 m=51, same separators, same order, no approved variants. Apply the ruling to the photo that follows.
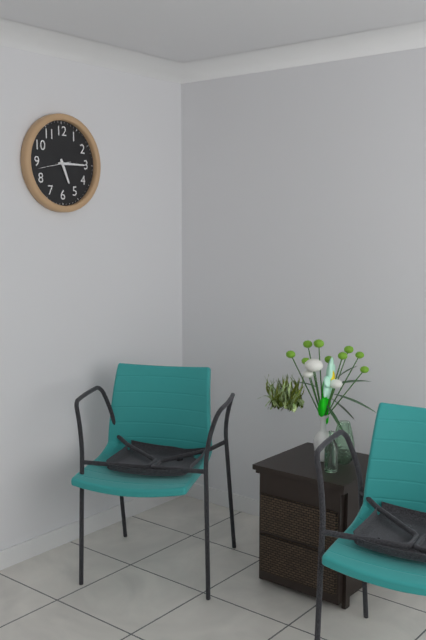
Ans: h=5 m=15
